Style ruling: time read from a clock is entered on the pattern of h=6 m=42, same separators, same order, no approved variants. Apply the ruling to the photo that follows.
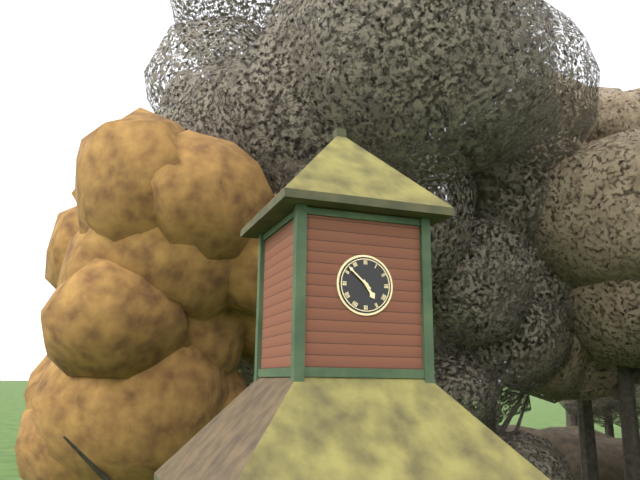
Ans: h=4 m=52
